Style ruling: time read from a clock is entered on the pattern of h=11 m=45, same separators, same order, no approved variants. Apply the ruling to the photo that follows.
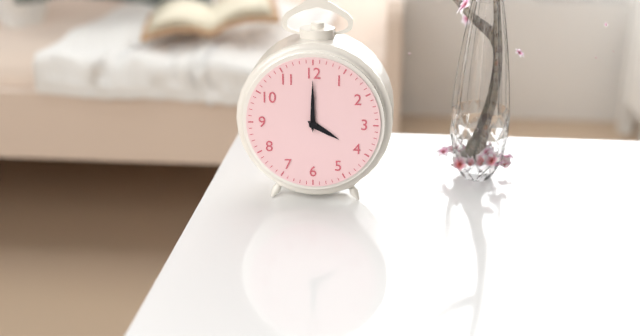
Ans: h=4 m=0
